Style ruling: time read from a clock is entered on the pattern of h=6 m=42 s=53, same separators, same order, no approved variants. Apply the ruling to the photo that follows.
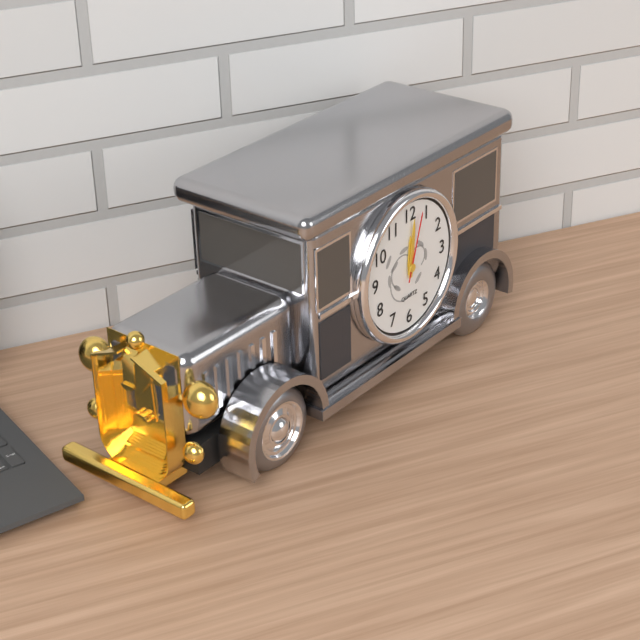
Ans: h=12 m=1 s=3
